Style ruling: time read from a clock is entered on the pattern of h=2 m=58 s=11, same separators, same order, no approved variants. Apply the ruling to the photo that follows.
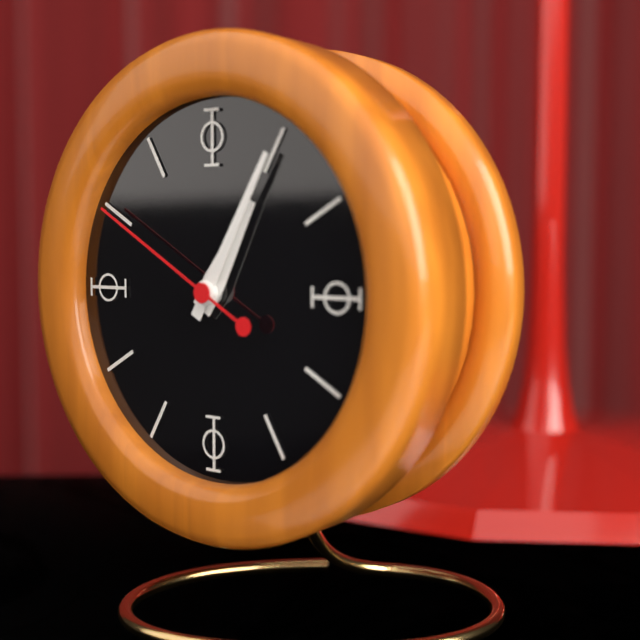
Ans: h=1 m=5 s=50
